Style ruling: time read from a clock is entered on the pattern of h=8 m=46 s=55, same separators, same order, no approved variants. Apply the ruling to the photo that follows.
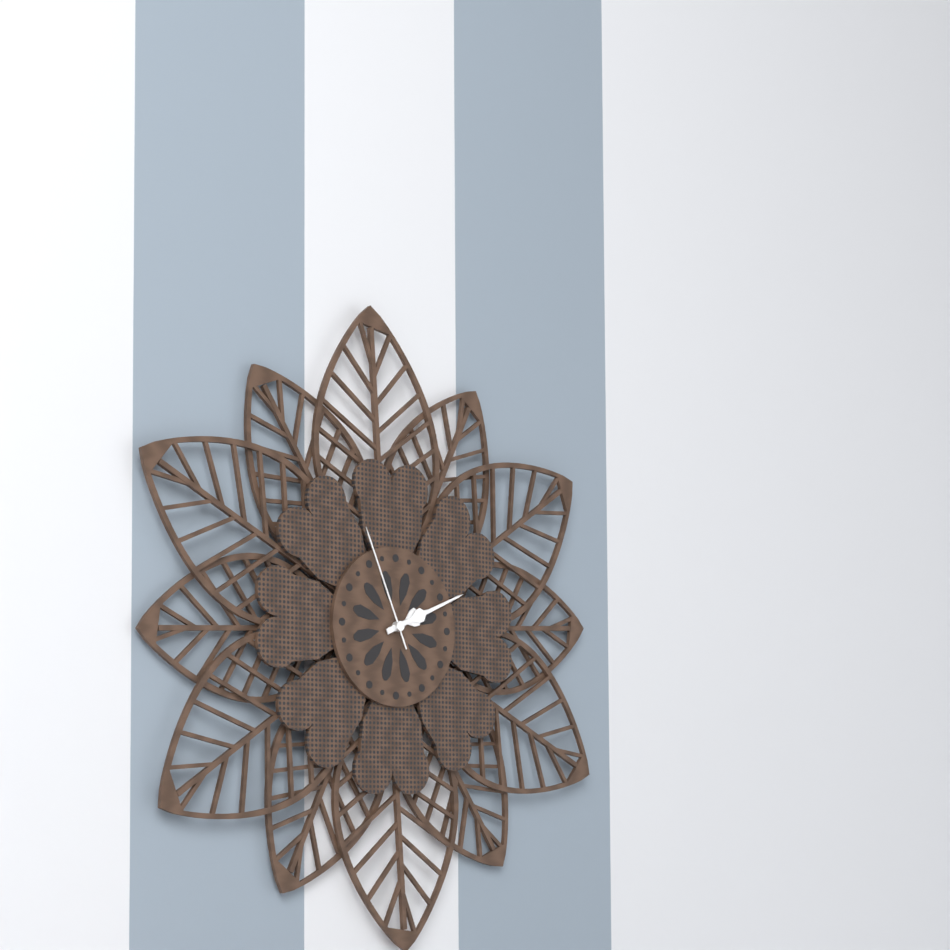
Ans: h=2 m=11 s=56
